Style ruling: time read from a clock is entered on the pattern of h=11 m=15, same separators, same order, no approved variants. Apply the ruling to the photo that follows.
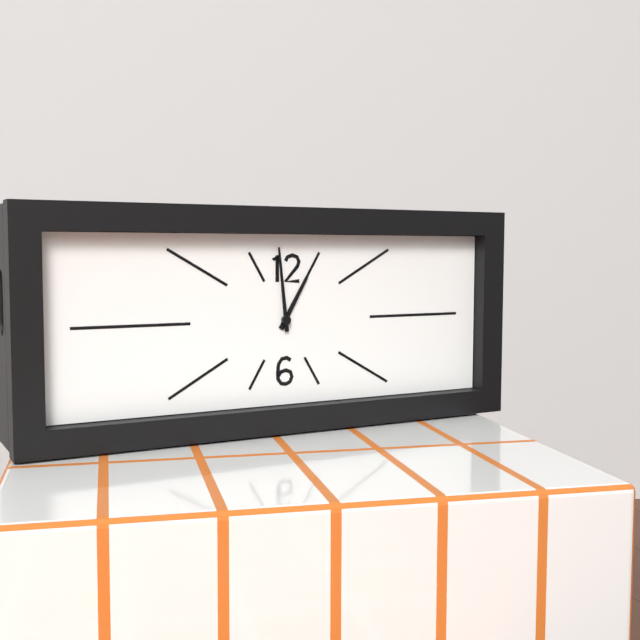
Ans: h=12 m=59
